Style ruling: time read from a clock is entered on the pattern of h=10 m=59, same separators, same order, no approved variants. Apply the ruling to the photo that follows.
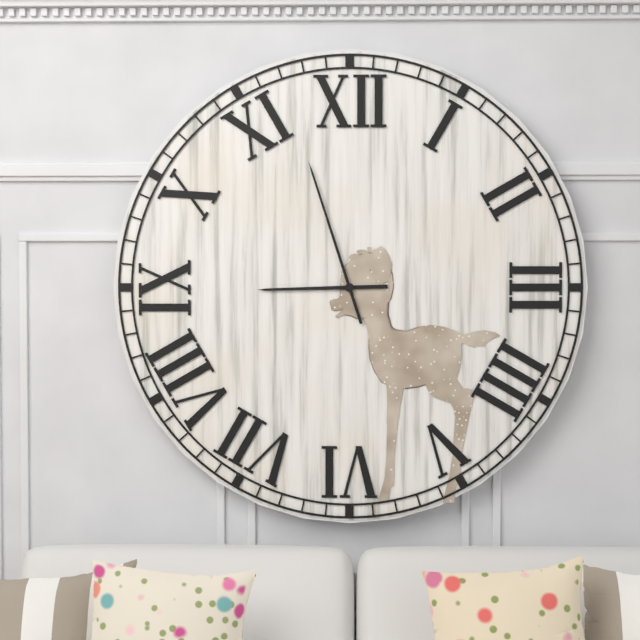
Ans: h=8 m=57
